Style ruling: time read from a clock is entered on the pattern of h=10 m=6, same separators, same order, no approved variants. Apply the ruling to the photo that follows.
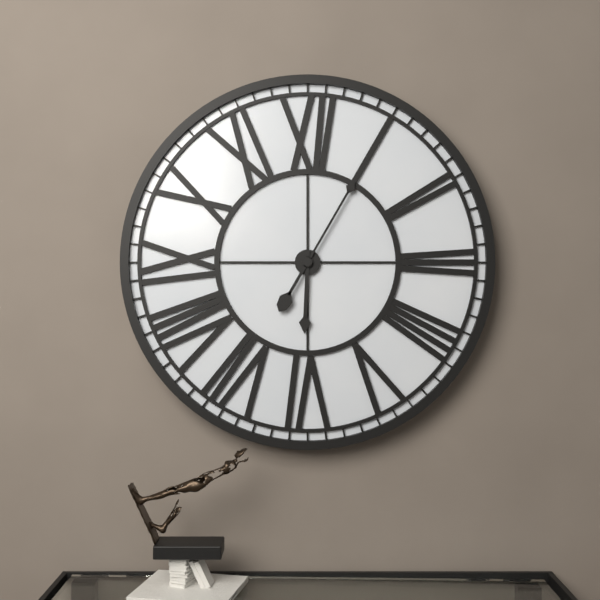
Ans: h=6 m=5
